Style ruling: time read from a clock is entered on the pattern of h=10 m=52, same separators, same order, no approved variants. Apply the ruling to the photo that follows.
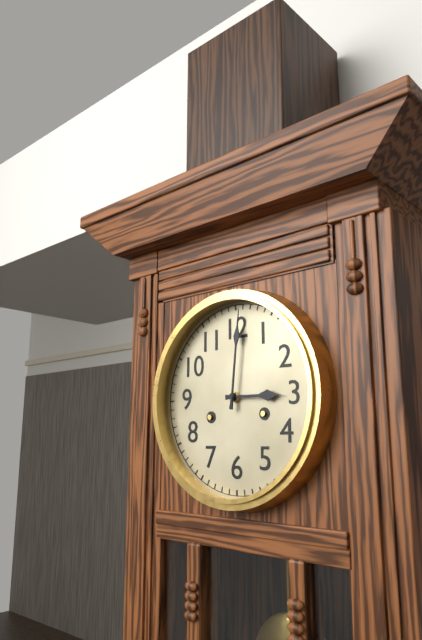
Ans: h=3 m=1
